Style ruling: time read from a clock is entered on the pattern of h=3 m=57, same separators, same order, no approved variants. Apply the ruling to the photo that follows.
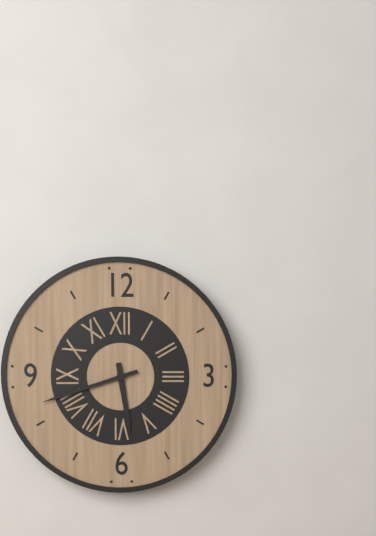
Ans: h=5 m=42
